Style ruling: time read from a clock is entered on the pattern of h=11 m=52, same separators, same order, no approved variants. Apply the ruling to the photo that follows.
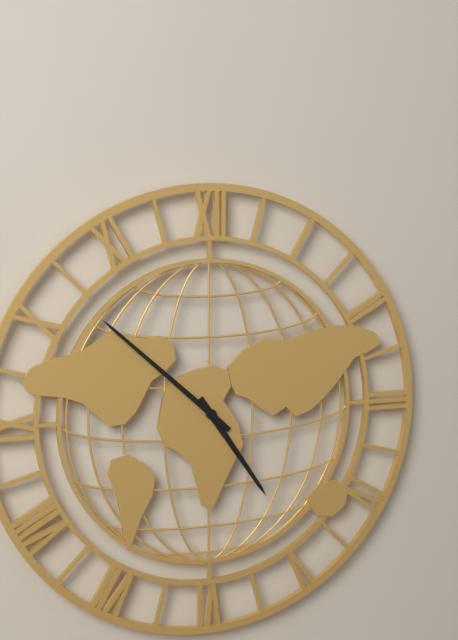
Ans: h=4 m=52
